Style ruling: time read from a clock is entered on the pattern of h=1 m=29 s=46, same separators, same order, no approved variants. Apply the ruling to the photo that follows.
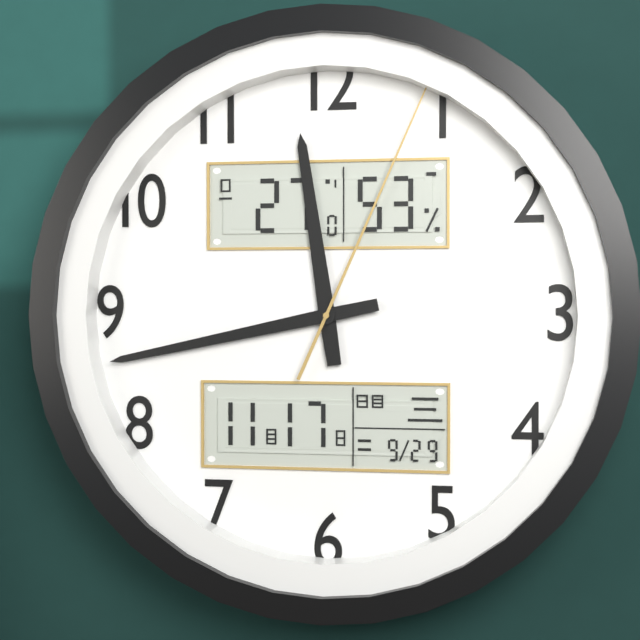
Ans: h=11 m=43 s=4
